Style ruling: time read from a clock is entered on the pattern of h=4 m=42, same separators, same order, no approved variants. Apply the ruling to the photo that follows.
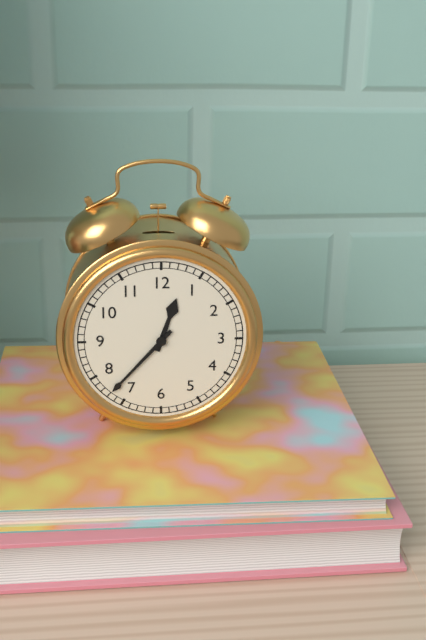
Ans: h=12 m=37
